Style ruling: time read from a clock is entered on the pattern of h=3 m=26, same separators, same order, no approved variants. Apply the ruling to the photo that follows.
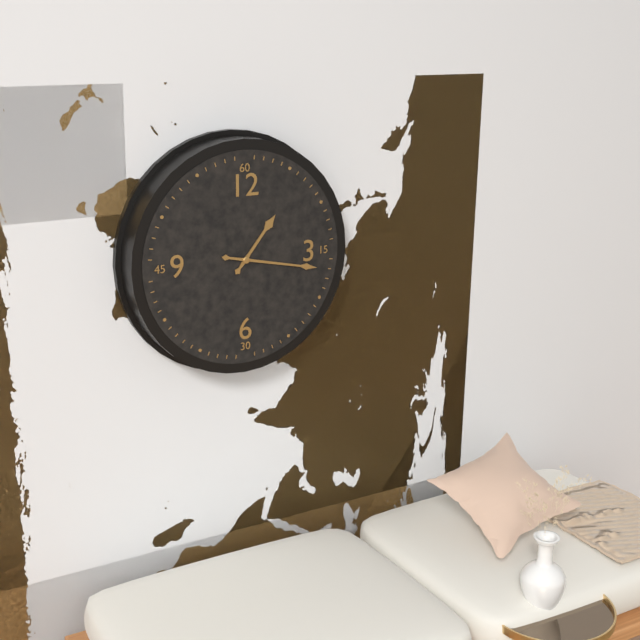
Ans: h=1 m=17
